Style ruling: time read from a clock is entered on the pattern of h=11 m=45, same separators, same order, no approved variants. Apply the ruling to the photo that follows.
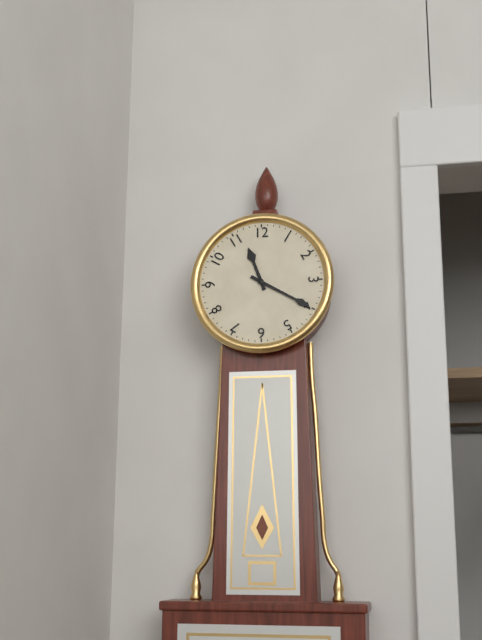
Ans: h=11 m=20
